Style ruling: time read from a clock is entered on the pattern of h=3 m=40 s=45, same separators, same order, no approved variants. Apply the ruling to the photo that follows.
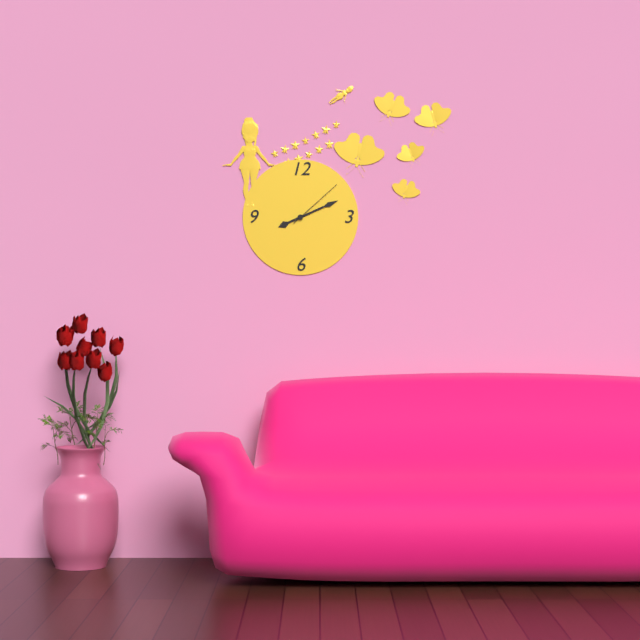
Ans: h=8 m=11 s=8
